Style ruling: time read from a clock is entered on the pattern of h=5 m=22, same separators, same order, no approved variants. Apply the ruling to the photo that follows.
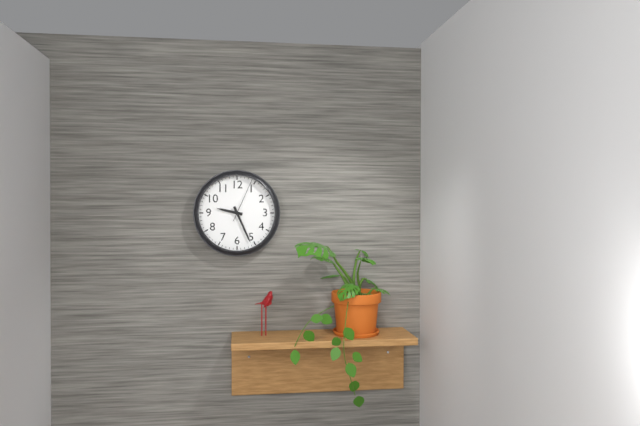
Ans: h=9 m=26
